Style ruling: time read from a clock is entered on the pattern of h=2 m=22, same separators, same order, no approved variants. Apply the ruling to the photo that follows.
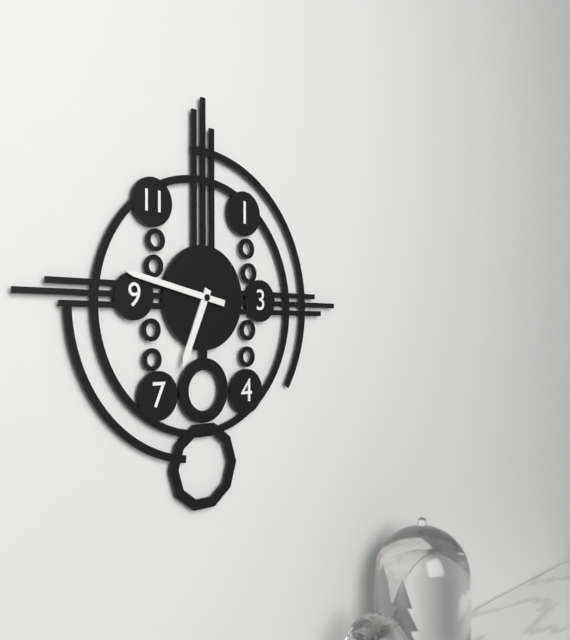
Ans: h=6 m=47
